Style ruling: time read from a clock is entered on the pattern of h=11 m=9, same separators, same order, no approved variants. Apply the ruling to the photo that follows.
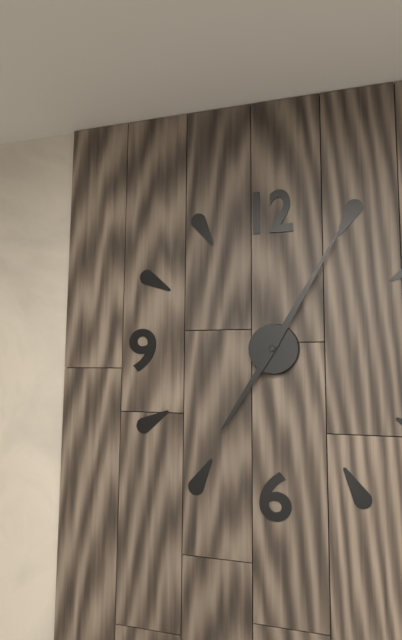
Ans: h=7 m=5
